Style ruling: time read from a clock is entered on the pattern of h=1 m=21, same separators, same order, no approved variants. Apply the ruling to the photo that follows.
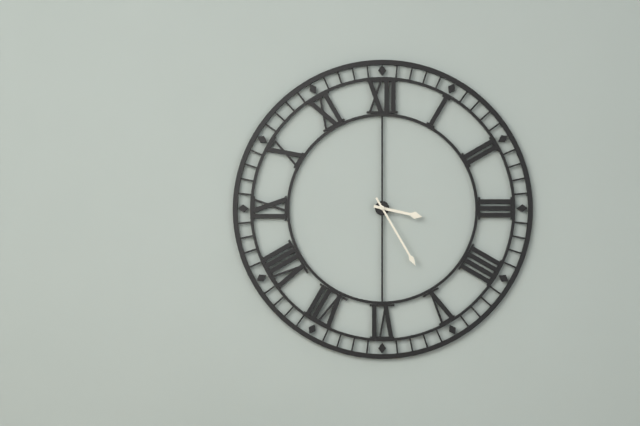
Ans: h=3 m=25
